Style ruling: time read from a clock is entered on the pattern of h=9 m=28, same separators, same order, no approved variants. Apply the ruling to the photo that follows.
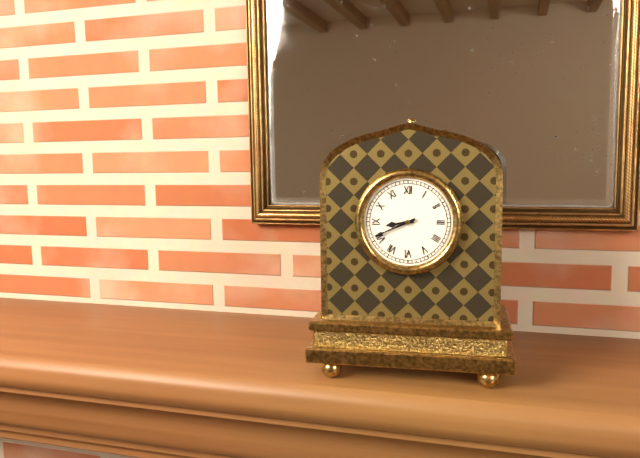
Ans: h=8 m=41
